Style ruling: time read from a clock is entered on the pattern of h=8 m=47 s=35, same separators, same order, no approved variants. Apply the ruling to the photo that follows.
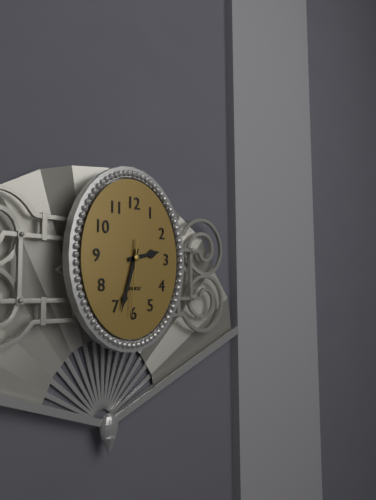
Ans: h=2 m=33 s=31
